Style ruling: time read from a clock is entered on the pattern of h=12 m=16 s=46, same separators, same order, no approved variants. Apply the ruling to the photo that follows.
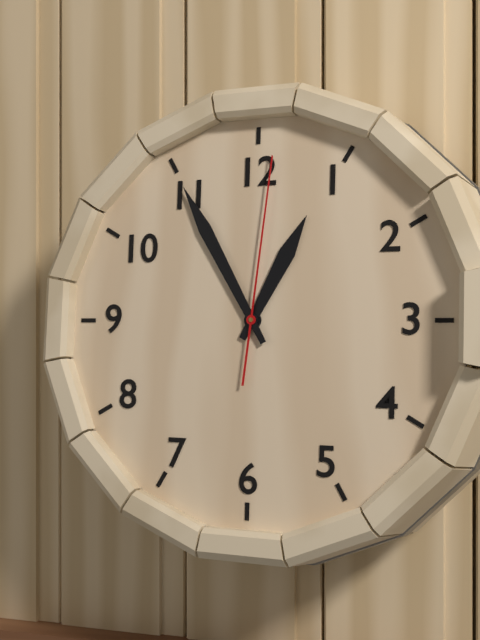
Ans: h=12 m=55 s=1
